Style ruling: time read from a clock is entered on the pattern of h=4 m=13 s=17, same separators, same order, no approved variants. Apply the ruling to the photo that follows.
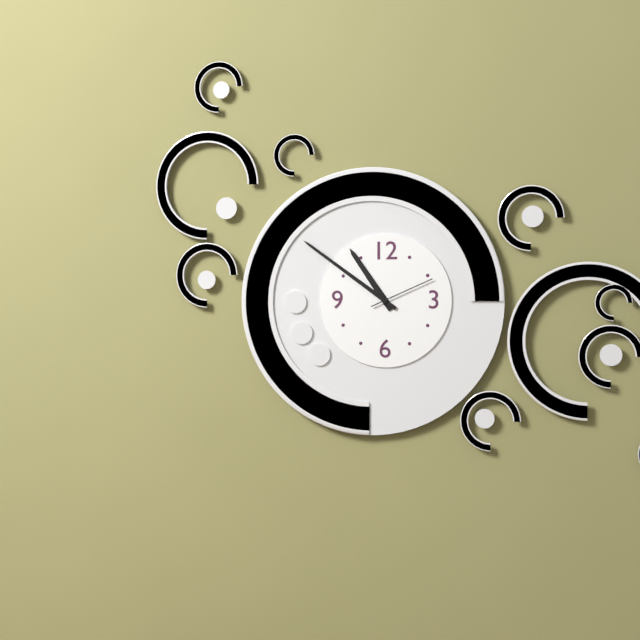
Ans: h=10 m=51 s=11
